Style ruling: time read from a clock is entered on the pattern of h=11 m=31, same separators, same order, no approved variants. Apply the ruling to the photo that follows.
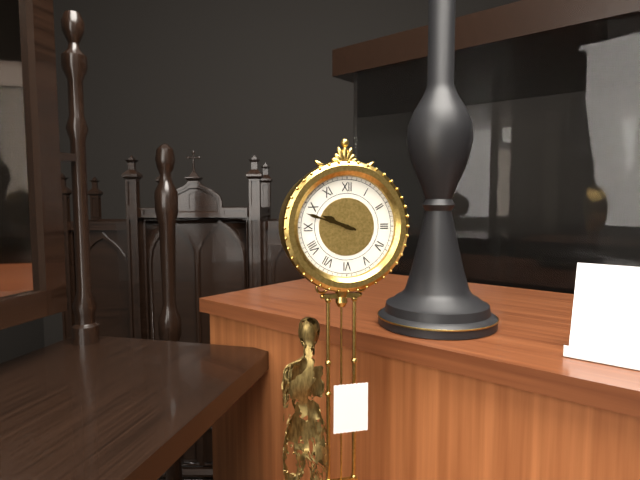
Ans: h=9 m=48
